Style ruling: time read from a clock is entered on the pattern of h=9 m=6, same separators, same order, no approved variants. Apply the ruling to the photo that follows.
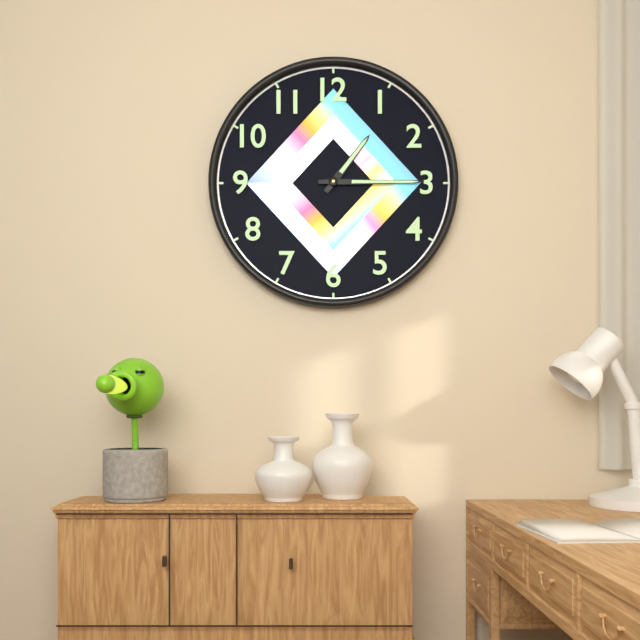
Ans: h=1 m=15
